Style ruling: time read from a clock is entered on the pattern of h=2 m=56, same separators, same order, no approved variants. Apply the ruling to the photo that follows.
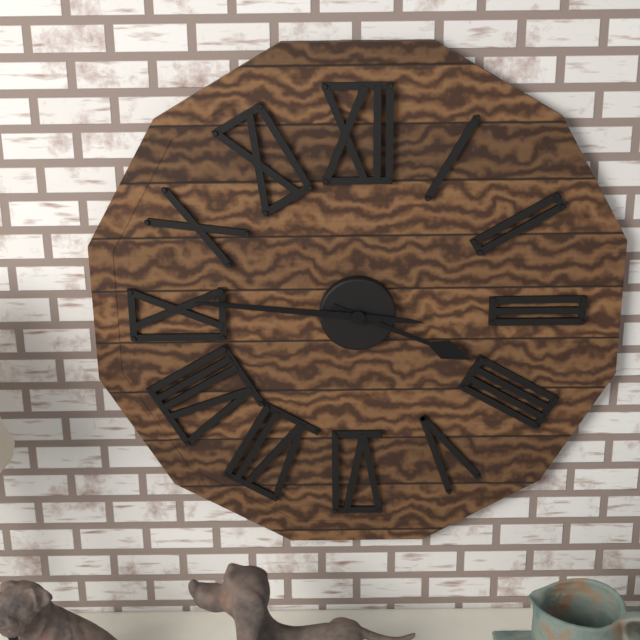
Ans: h=3 m=46
